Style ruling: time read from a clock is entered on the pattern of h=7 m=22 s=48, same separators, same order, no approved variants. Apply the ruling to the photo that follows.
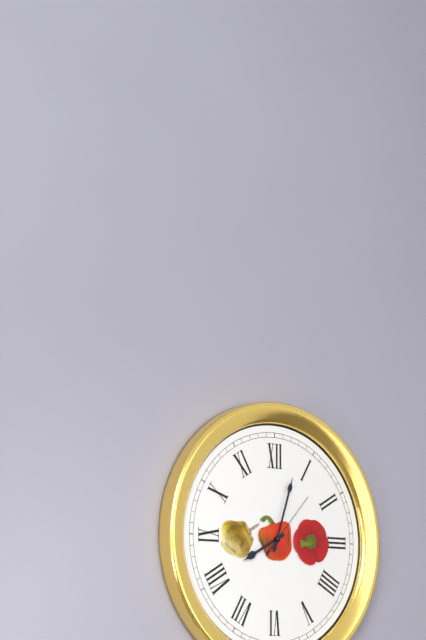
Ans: h=8 m=3 s=7
